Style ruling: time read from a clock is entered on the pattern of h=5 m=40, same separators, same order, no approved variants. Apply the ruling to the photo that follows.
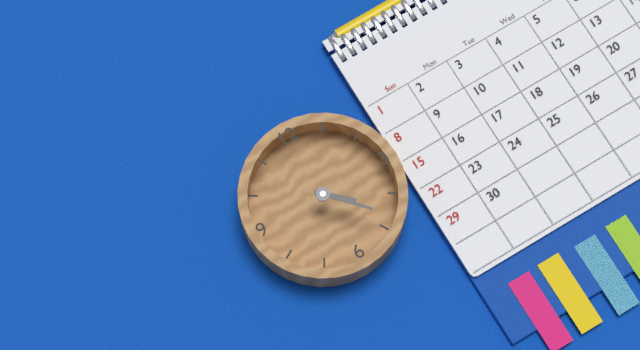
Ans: h=4 m=23
